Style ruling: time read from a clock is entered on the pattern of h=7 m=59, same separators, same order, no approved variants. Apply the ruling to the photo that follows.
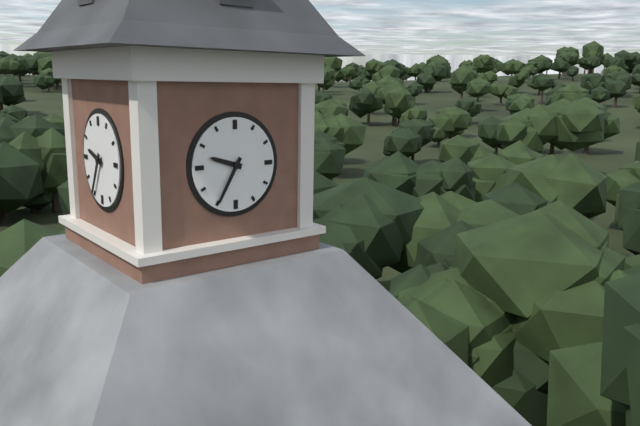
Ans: h=9 m=35
